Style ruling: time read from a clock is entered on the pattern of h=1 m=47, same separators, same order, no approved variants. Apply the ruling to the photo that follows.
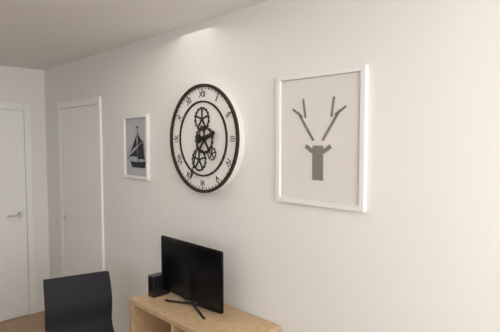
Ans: h=2 m=33
